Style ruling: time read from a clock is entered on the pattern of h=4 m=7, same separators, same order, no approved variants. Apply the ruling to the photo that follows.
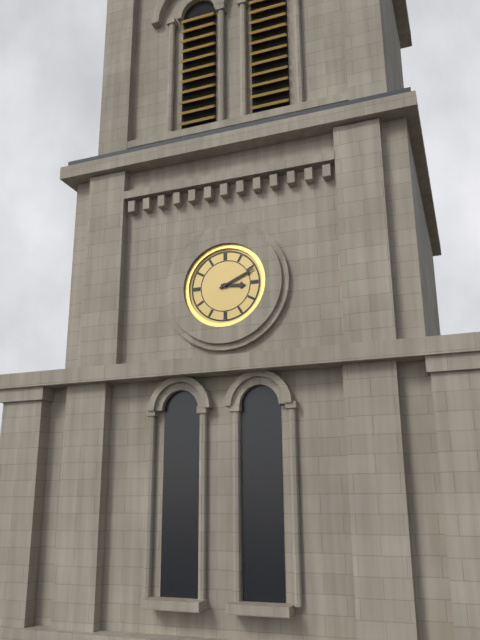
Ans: h=3 m=11
